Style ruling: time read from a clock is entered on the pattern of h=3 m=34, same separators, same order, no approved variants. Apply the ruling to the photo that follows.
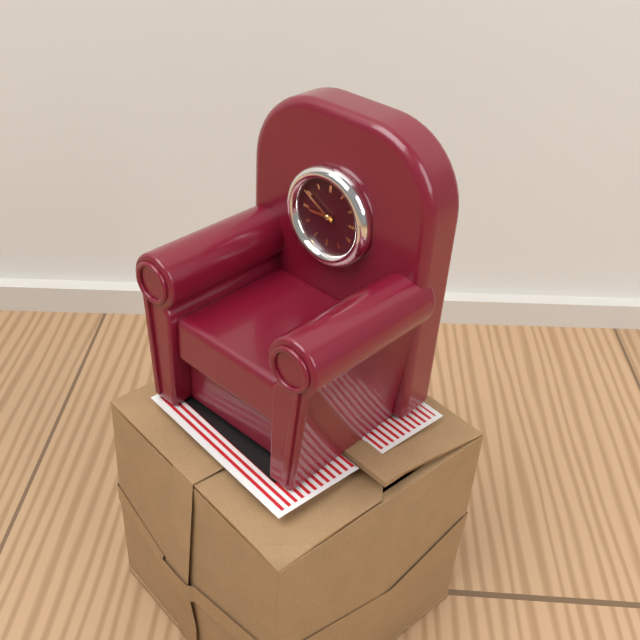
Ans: h=8 m=50
